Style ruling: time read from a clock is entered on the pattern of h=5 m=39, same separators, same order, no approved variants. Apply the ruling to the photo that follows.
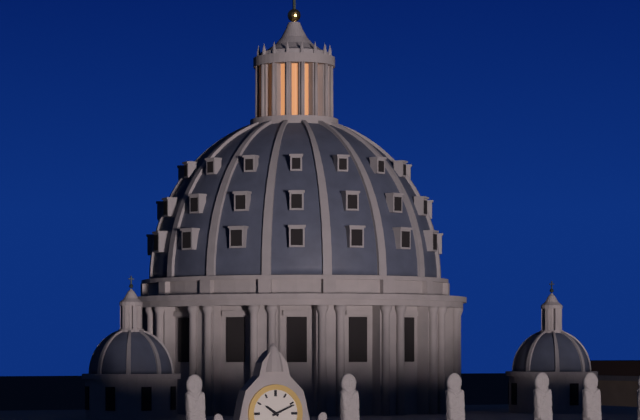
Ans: h=10 m=11
